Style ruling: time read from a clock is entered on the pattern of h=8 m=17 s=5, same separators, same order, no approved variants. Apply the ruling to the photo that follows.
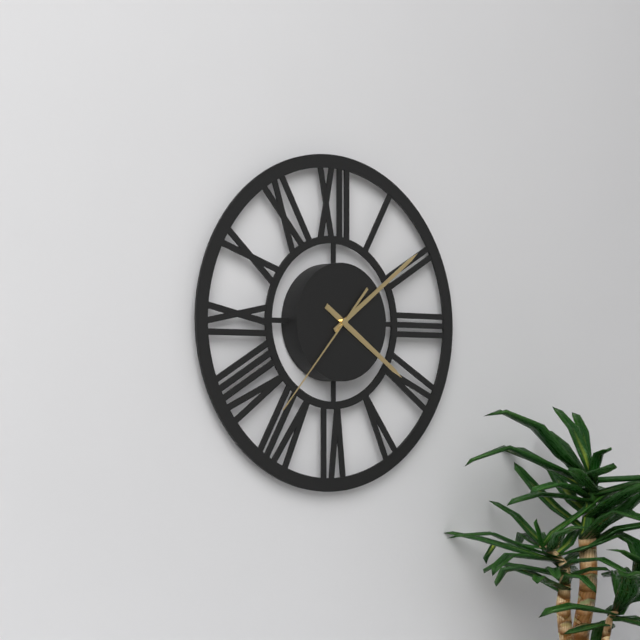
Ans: h=4 m=9 s=37
